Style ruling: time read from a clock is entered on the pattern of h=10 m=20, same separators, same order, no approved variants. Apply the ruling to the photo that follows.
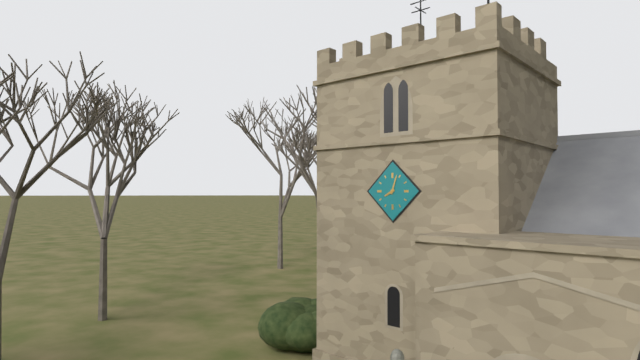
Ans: h=8 m=3
